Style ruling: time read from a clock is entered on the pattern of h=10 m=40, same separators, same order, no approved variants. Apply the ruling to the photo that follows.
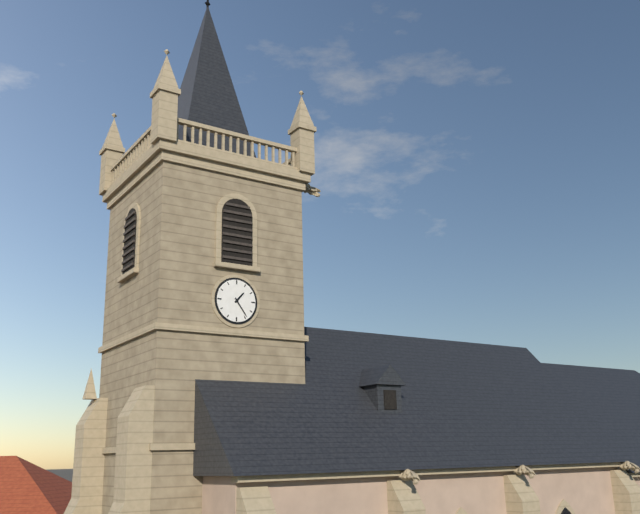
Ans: h=1 m=24
